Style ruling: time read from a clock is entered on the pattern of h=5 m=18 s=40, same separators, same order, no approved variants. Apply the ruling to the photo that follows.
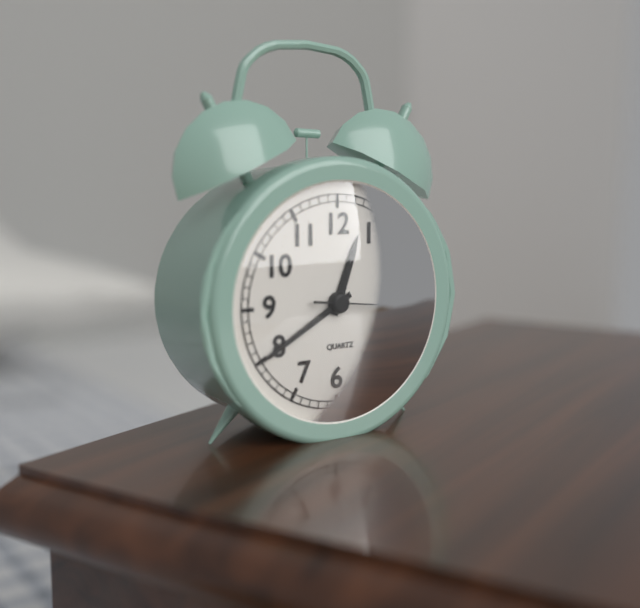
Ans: h=12 m=40 s=16
